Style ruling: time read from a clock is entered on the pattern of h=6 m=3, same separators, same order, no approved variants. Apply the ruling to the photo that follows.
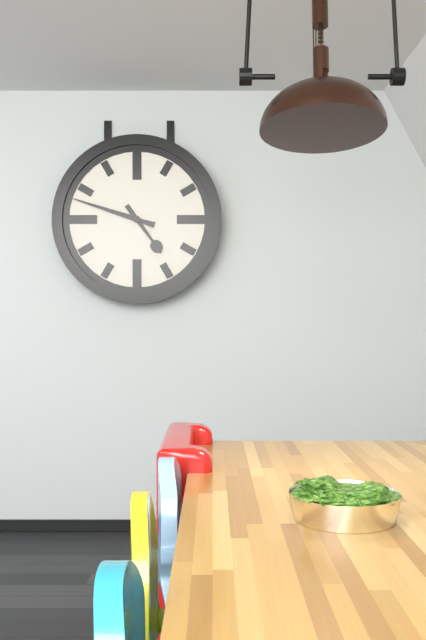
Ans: h=4 m=48
